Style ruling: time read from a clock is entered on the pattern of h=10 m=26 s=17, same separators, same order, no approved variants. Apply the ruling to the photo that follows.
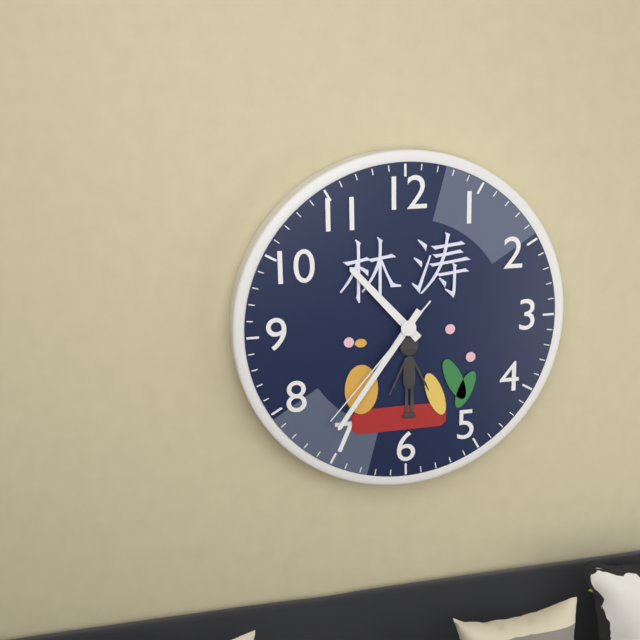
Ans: h=10 m=36 s=37
